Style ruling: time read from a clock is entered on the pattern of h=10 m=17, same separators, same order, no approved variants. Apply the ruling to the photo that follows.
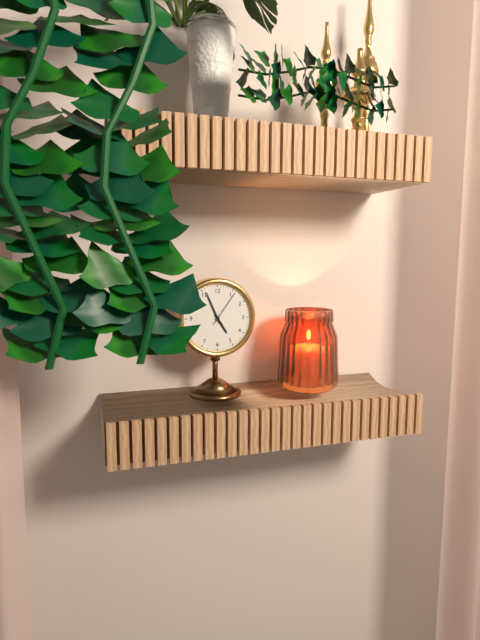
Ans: h=4 m=56
